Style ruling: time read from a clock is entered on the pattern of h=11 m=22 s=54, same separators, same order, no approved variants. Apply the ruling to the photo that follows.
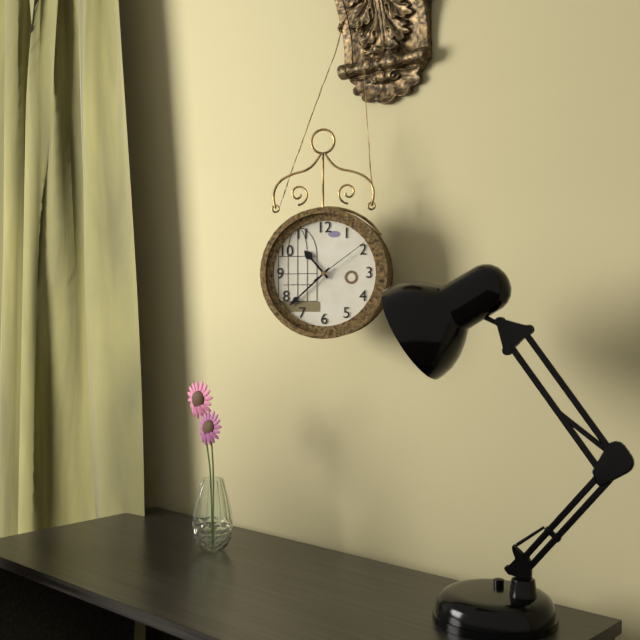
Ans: h=10 m=38 s=9
